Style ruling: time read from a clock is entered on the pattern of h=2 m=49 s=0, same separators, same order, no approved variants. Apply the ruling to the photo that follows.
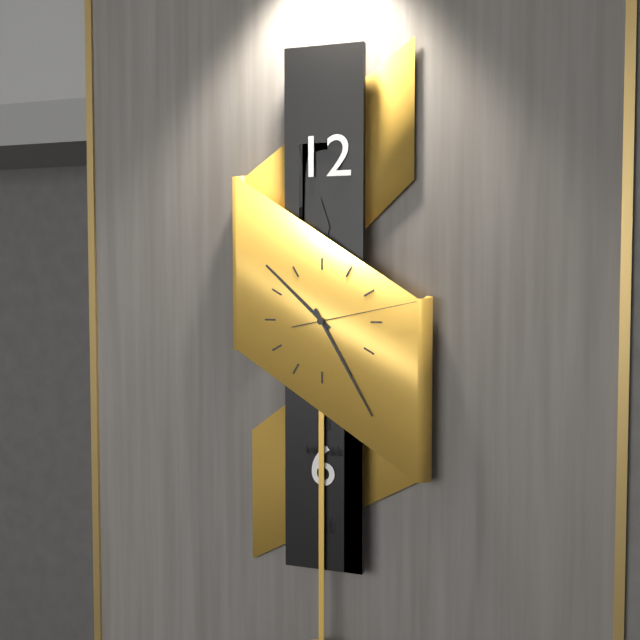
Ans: h=10 m=25 s=13
